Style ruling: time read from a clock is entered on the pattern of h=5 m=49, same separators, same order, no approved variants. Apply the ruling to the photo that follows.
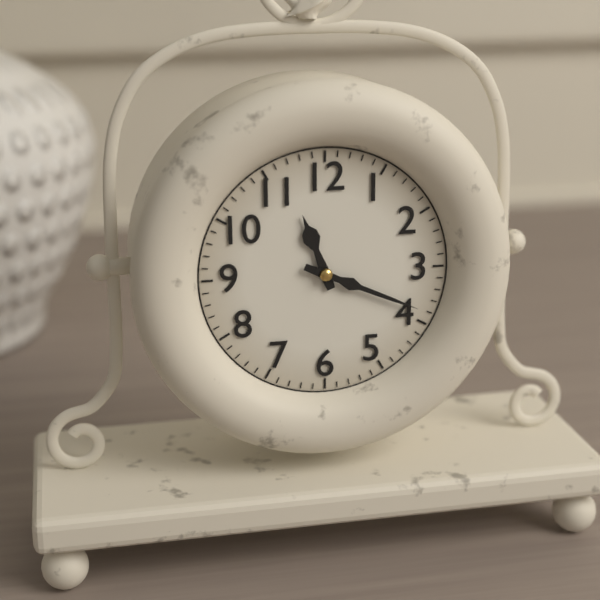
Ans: h=11 m=19
